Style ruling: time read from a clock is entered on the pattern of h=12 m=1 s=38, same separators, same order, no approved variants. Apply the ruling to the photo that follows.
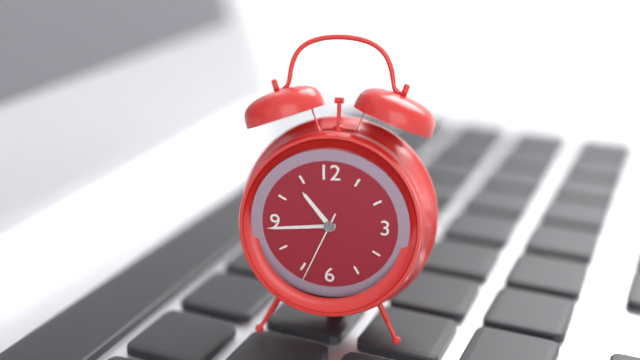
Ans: h=10 m=44 s=34
